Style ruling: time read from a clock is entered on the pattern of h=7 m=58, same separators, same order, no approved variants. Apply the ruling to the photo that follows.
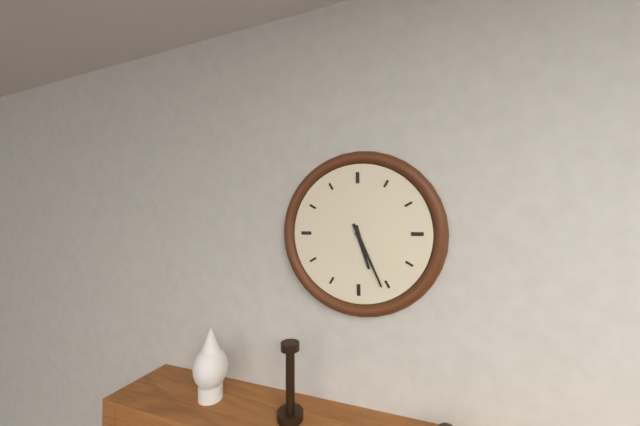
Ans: h=5 m=26
